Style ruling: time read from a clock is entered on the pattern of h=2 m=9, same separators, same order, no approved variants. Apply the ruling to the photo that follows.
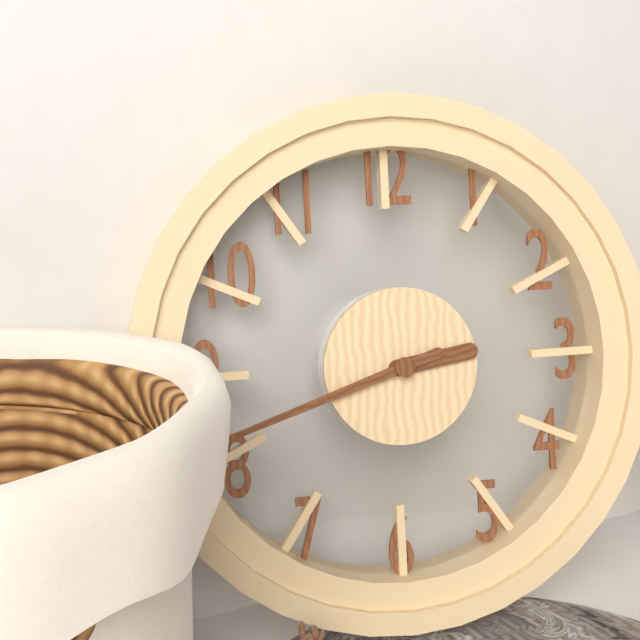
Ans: h=2 m=42
